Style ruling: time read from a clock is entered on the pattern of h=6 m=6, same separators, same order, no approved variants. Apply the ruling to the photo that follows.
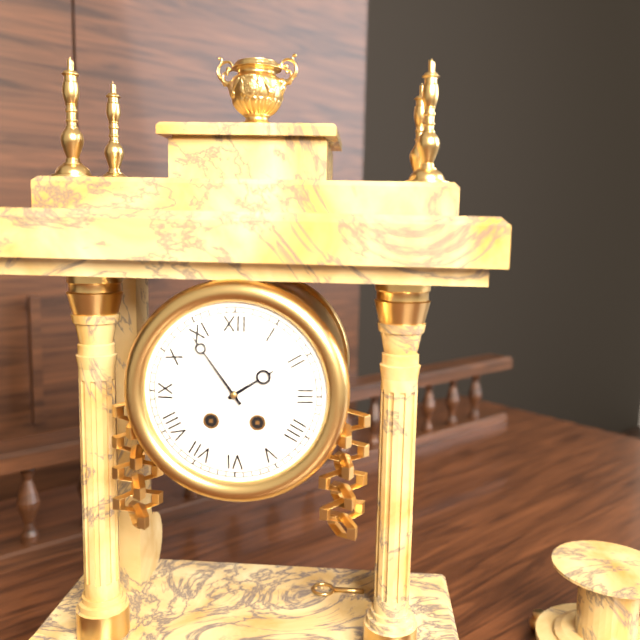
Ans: h=1 m=54
